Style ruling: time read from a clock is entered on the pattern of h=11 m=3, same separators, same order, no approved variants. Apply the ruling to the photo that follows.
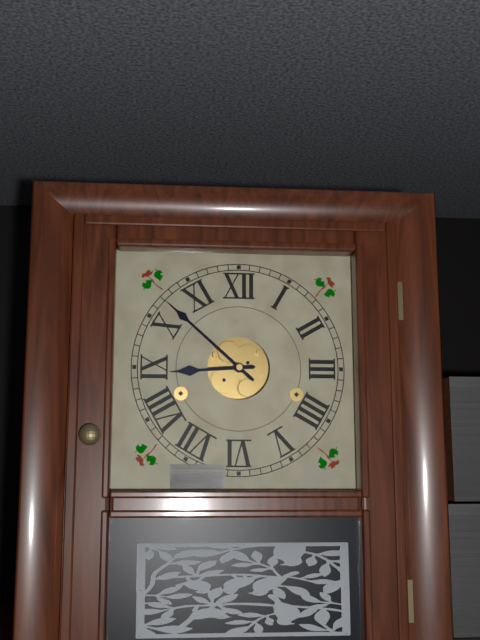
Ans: h=8 m=52
